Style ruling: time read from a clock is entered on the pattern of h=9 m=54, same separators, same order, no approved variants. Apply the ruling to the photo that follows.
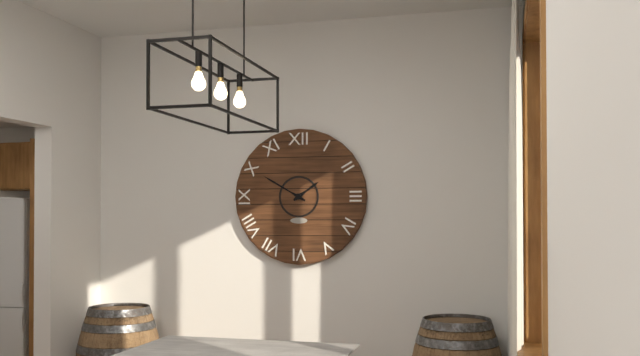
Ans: h=1 m=50
